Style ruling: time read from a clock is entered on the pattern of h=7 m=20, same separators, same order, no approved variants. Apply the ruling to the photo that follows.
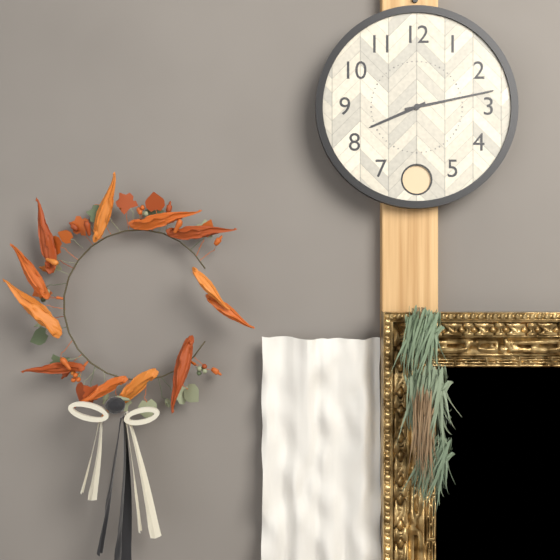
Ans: h=8 m=13
